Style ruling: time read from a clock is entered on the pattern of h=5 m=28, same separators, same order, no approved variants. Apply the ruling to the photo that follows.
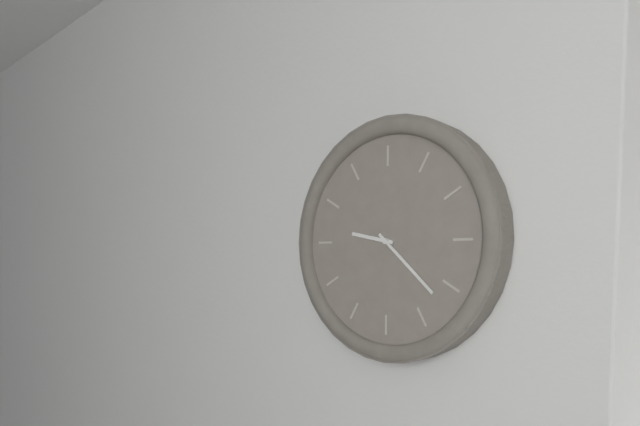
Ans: h=9 m=22
